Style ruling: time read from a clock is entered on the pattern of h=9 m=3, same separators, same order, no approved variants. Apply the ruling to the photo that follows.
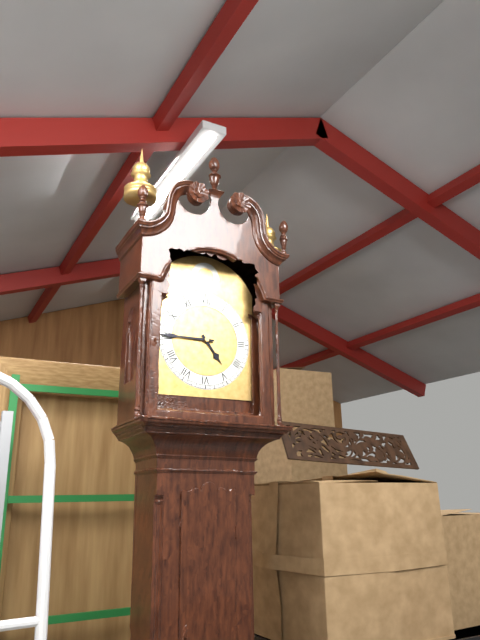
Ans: h=4 m=45
